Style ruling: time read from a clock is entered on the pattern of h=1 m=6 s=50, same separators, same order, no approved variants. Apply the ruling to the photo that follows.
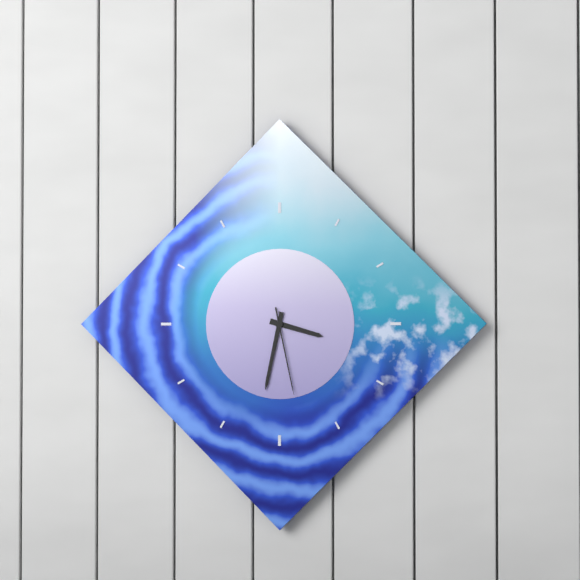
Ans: h=3 m=32 s=28
